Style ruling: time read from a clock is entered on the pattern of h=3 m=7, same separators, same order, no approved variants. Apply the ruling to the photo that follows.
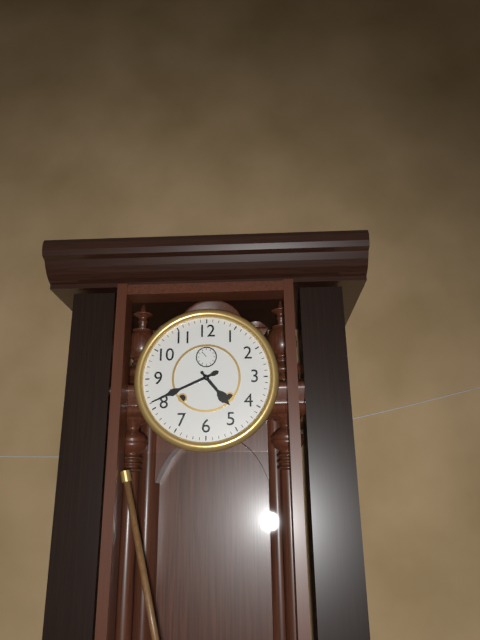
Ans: h=4 m=41
